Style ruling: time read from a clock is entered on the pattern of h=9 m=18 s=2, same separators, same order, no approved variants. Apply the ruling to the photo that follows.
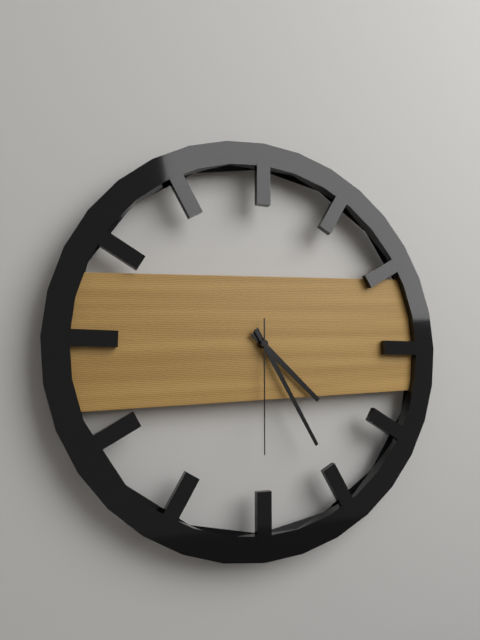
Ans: h=4 m=25 s=30
